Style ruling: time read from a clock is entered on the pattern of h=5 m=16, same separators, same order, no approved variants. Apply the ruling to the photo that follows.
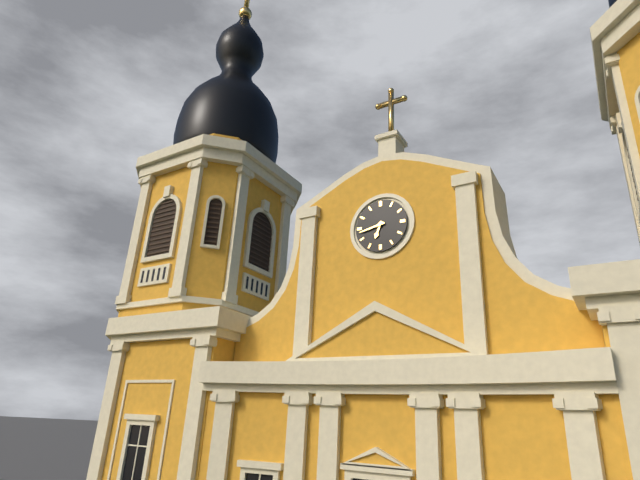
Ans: h=6 m=43
